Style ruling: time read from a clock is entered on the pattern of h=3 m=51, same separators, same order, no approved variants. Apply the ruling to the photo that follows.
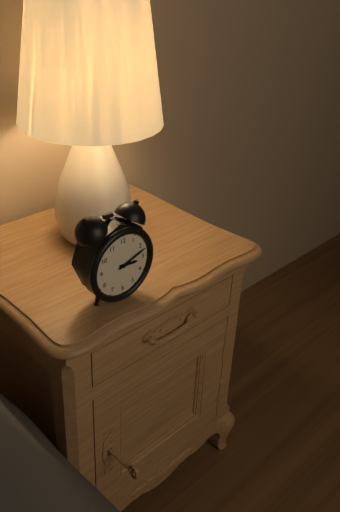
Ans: h=3 m=12
